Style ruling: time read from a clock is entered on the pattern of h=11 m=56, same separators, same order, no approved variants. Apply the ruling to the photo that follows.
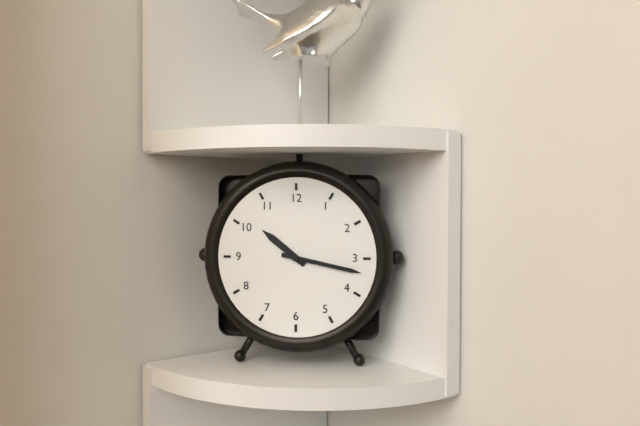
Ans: h=10 m=17
